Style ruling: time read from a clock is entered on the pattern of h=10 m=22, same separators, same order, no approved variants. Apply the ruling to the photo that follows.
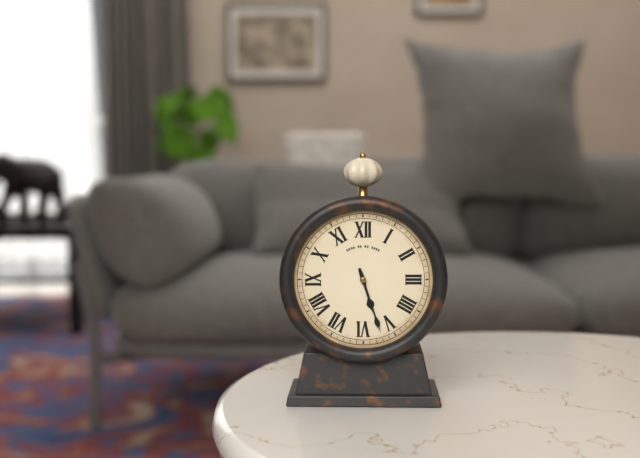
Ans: h=5 m=27
